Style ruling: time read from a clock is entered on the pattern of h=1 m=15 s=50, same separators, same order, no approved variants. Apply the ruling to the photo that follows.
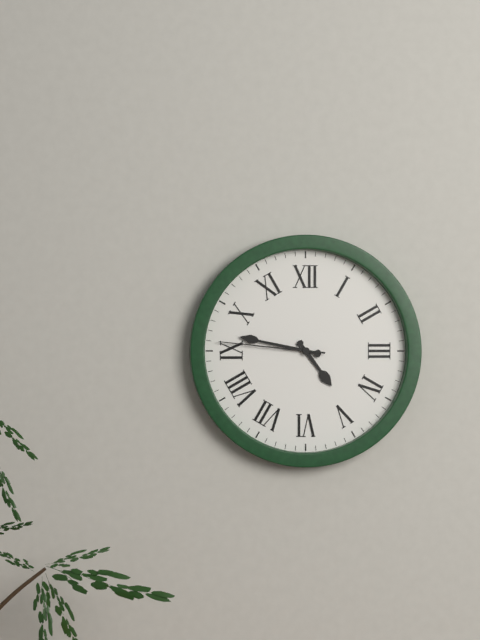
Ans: h=4 m=47 s=46
